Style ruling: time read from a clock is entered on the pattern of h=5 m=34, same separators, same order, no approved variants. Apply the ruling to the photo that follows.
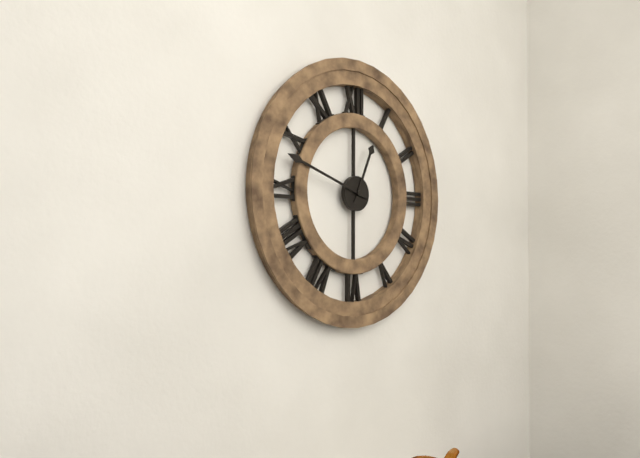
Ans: h=12 m=48
